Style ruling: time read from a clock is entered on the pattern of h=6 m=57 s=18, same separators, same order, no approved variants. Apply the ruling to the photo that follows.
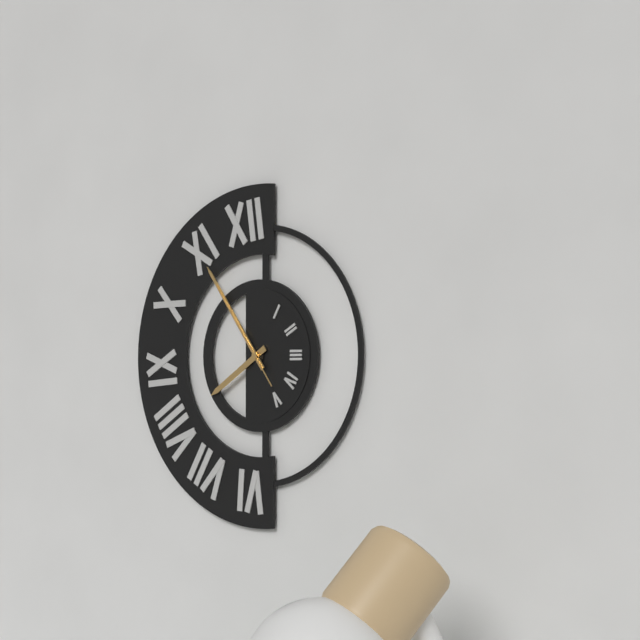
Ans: h=7 m=54 s=54
